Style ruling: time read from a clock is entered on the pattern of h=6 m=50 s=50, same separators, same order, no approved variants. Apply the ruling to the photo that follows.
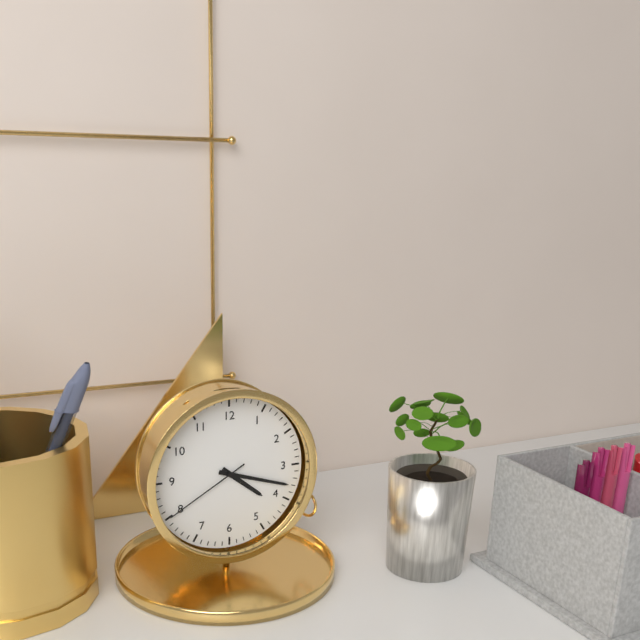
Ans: h=4 m=18 s=40
